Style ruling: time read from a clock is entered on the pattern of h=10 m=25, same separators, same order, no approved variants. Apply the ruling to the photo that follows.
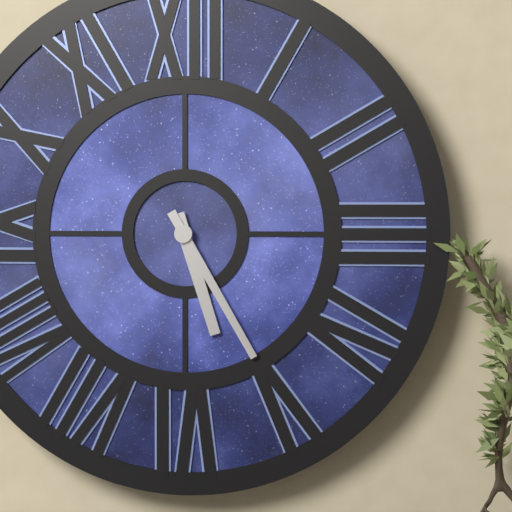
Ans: h=5 m=25
